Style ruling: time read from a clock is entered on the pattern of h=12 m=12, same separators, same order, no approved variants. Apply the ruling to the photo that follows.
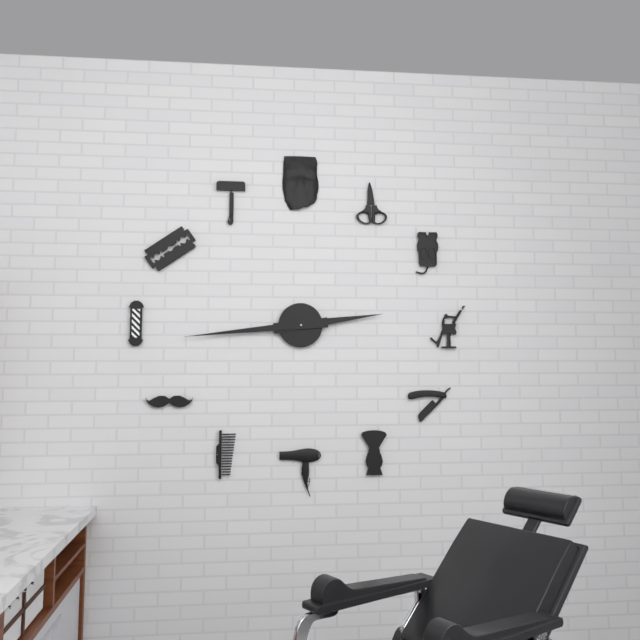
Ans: h=2 m=44
